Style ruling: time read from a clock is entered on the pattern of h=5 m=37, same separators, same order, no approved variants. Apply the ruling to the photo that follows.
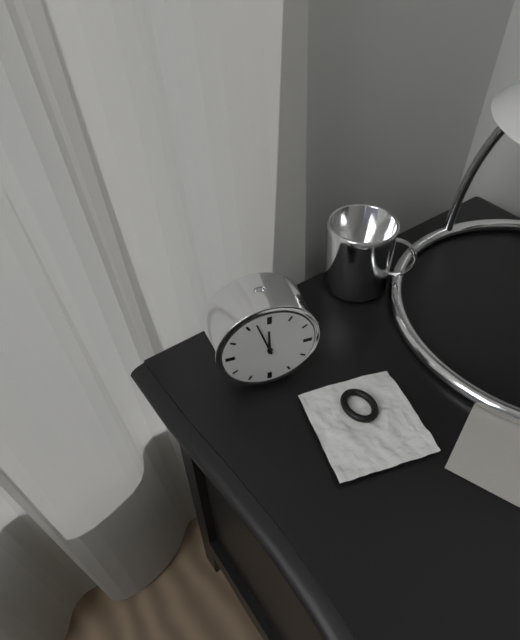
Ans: h=11 m=57
